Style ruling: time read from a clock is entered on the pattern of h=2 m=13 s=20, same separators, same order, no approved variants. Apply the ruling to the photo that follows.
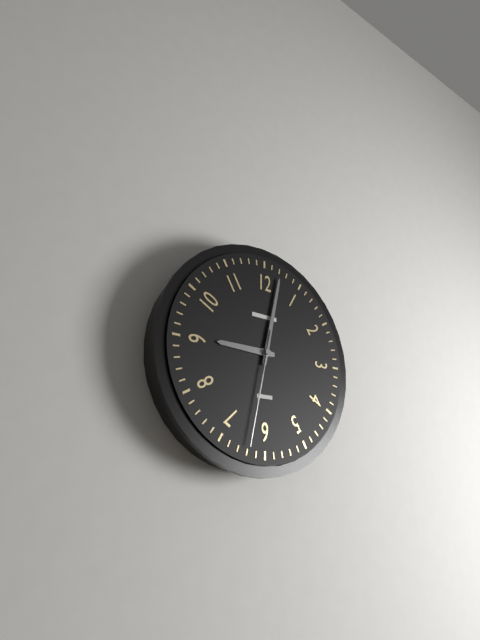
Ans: h=9 m=2 s=32
